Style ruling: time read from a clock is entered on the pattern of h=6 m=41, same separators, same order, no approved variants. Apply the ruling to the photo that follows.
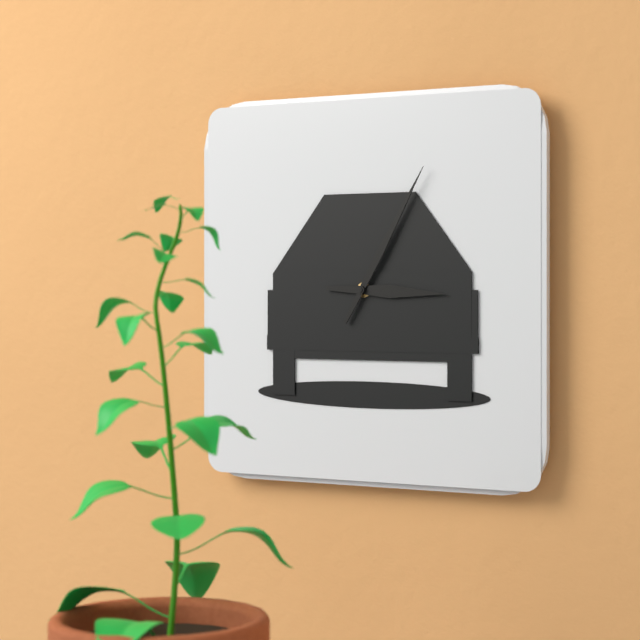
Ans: h=3 m=5
